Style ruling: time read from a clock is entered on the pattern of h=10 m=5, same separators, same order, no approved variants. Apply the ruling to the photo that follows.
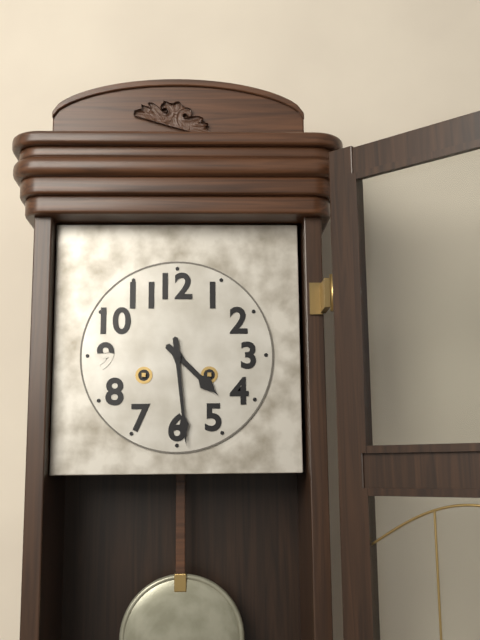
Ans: h=4 m=29
